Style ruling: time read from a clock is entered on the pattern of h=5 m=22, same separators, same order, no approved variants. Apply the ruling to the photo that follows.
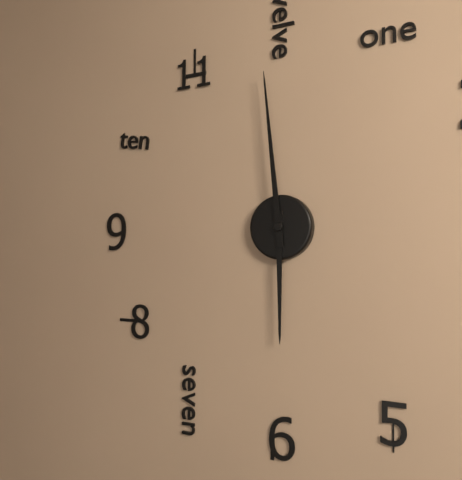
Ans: h=5 m=59
